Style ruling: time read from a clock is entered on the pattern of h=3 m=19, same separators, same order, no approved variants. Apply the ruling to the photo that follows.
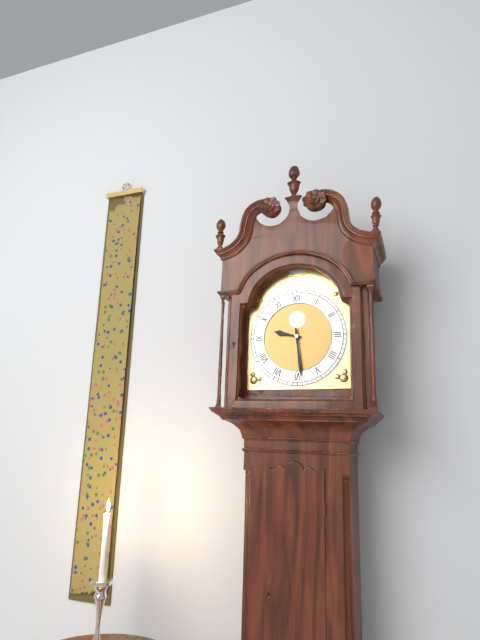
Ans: h=9 m=29
